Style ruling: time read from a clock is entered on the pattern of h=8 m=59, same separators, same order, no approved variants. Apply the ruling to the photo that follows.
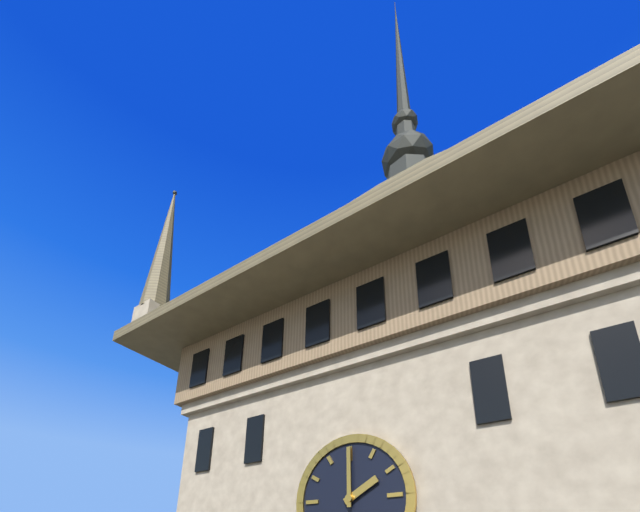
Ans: h=2 m=0
